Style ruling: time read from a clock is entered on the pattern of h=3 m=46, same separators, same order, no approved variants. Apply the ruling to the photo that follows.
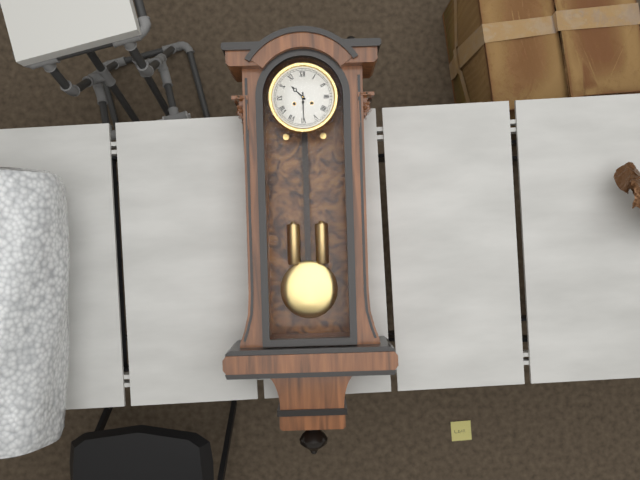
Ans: h=10 m=30
